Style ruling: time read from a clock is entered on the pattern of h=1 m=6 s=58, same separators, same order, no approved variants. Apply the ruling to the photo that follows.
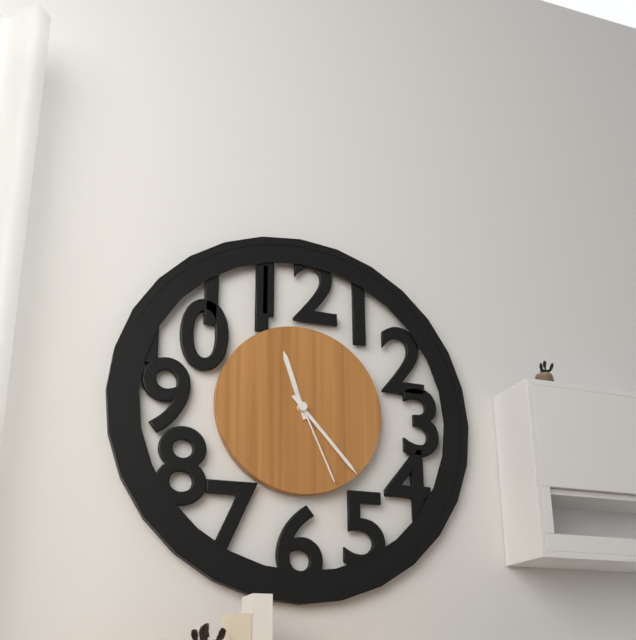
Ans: h=11 m=23 s=26
